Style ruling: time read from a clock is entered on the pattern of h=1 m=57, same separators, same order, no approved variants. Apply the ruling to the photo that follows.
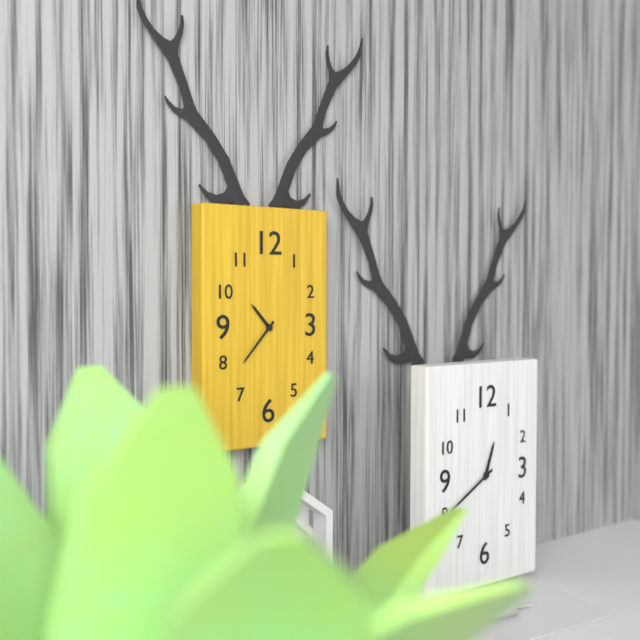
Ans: h=10 m=37
